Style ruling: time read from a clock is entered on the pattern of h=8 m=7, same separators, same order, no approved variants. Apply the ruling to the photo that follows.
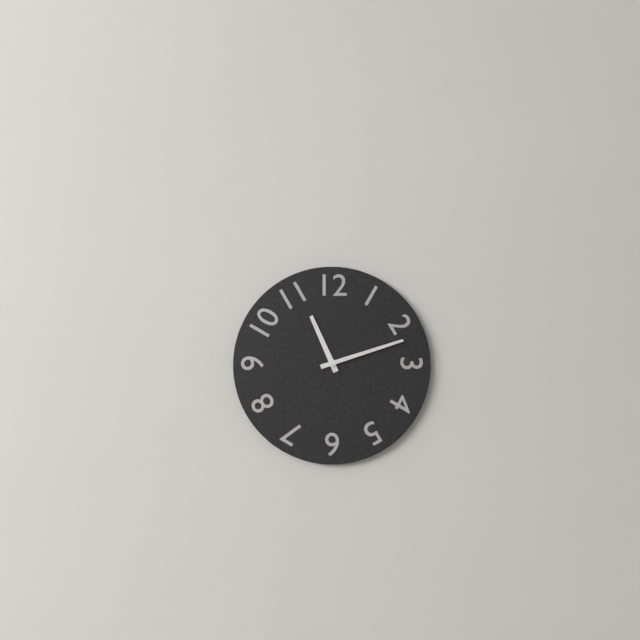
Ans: h=11 m=12
